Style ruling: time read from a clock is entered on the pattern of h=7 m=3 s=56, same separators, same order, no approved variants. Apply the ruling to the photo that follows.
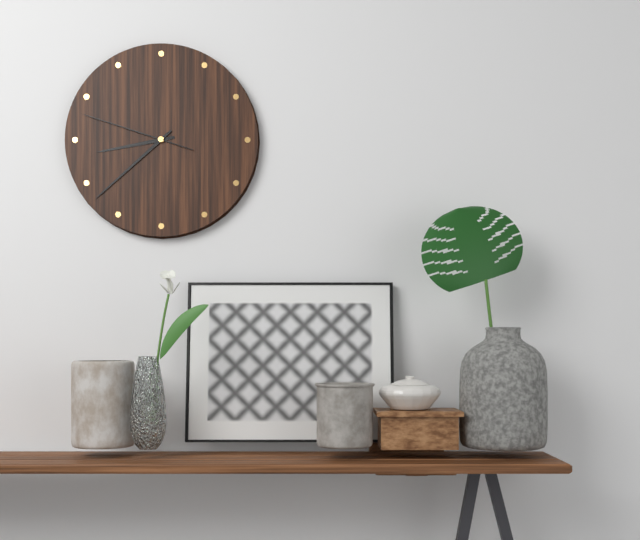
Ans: h=8 m=38 s=48
